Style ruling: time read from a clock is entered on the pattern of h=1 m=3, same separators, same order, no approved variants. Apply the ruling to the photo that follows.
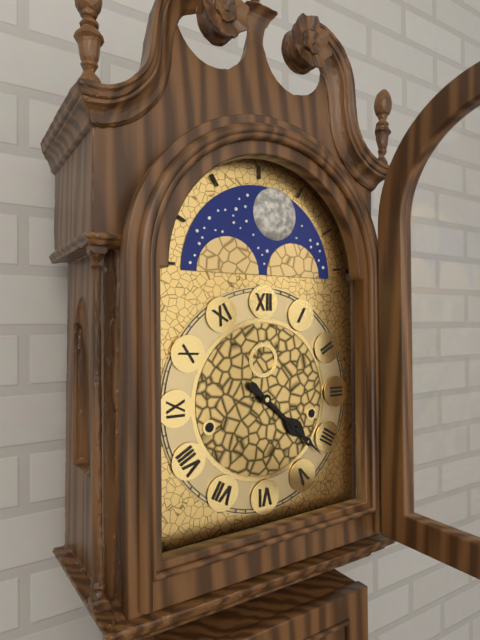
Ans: h=4 m=22
